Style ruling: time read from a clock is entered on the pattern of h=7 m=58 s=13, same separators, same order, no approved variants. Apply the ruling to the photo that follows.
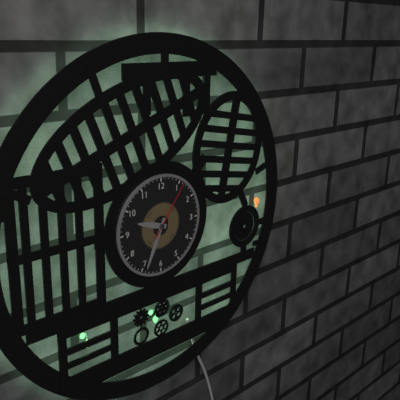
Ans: h=9 m=34 s=6
